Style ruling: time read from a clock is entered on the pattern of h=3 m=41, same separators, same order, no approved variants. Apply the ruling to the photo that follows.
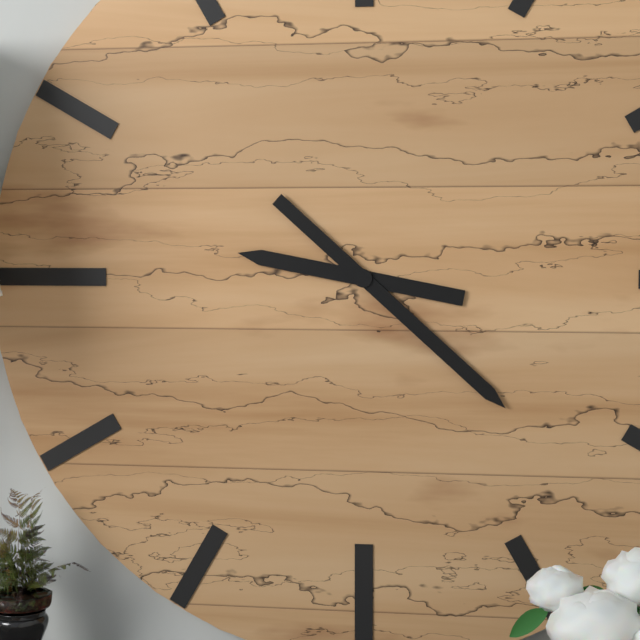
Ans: h=9 m=22
